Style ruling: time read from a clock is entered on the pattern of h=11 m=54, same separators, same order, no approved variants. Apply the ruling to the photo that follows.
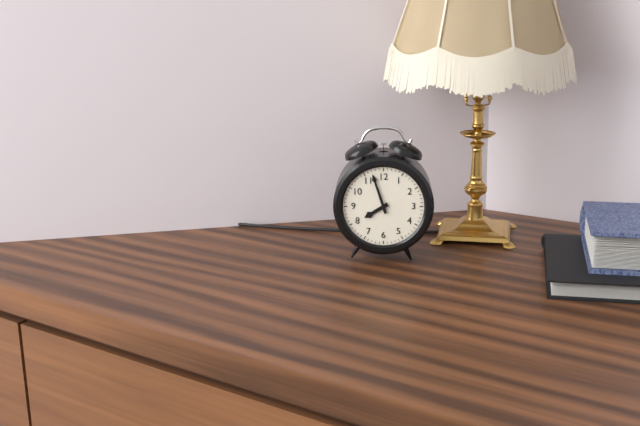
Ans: h=7 m=57
